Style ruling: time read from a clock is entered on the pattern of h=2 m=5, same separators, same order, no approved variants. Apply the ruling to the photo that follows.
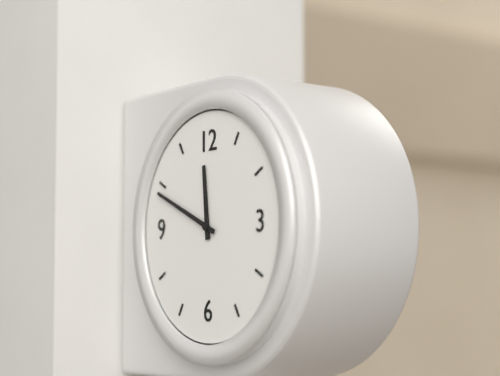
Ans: h=11 m=49
